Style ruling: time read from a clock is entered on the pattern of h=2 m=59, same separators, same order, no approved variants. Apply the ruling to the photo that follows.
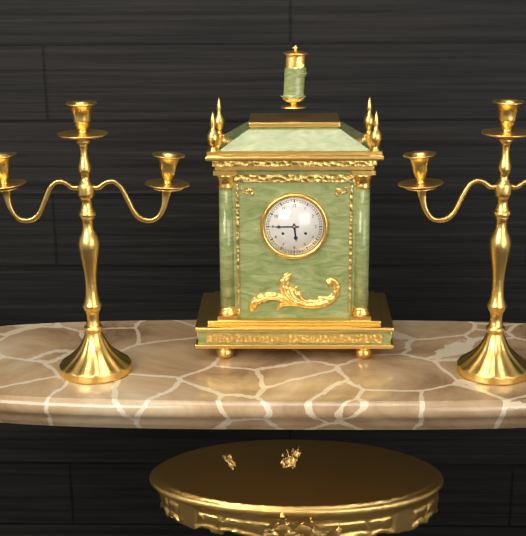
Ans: h=5 m=45
